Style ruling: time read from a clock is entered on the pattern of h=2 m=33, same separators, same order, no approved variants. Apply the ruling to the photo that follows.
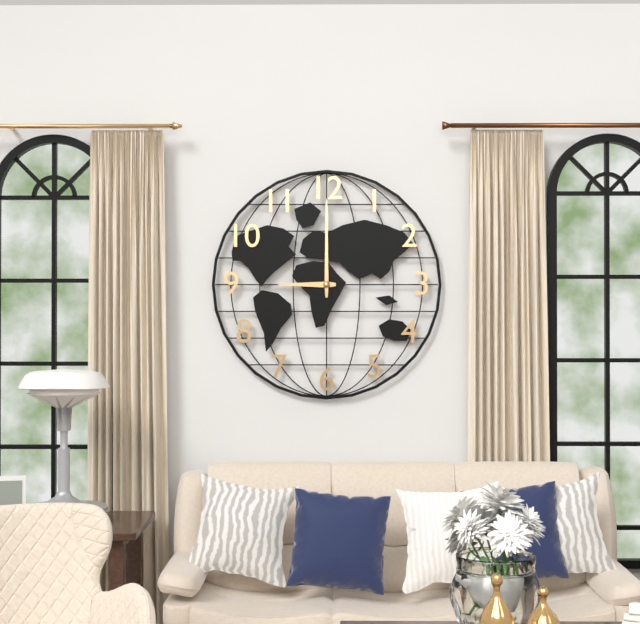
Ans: h=9 m=0
